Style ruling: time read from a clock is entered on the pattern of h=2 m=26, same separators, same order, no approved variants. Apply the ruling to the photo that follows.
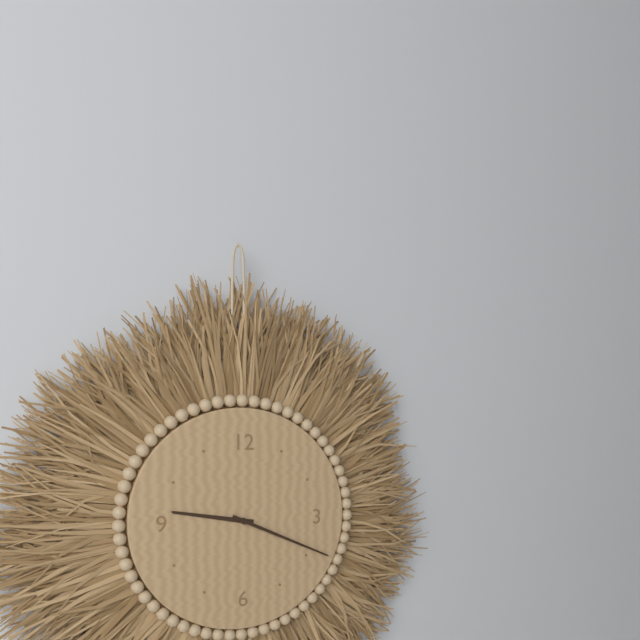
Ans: h=9 m=19
